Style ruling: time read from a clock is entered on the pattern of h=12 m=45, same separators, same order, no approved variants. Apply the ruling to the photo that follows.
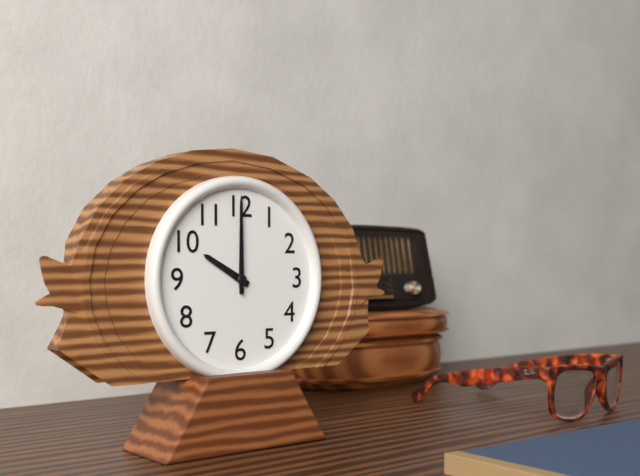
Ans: h=10 m=0
